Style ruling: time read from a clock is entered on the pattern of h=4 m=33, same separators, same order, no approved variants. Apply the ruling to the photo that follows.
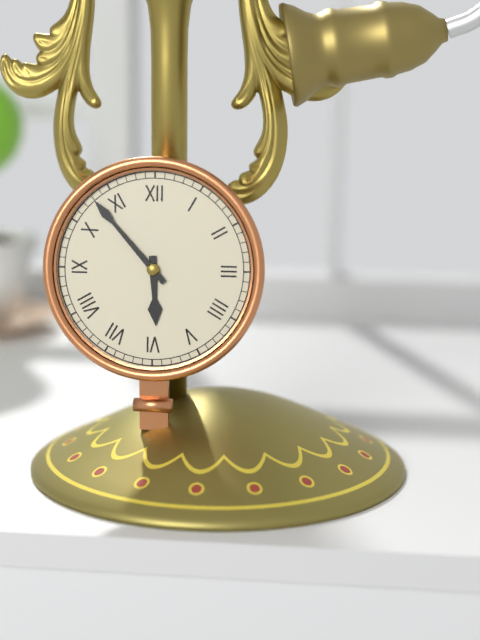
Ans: h=5 m=53
